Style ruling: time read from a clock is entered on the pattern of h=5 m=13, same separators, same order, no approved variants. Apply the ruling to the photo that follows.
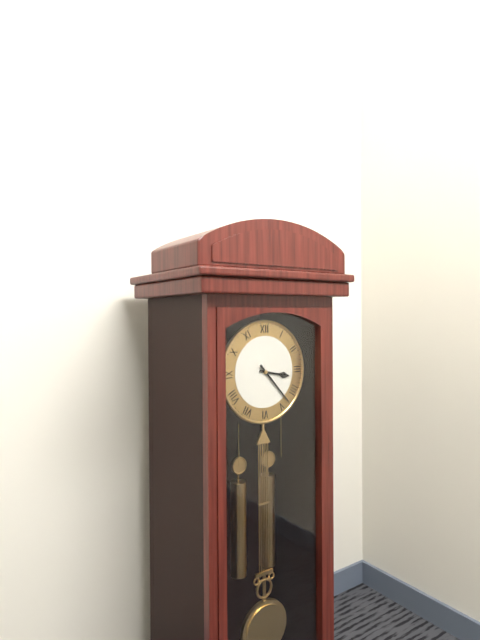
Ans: h=3 m=23
